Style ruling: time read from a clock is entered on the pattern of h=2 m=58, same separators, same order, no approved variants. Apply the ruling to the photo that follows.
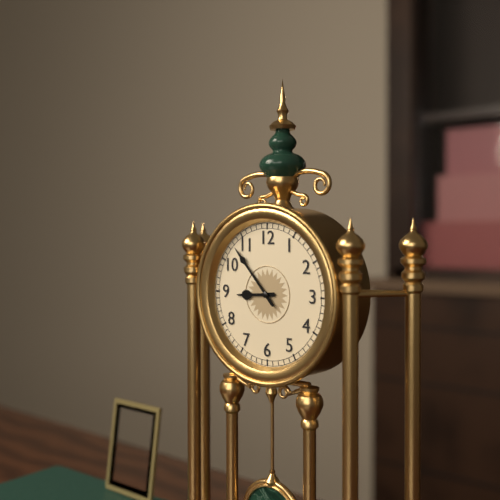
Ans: h=8 m=53
